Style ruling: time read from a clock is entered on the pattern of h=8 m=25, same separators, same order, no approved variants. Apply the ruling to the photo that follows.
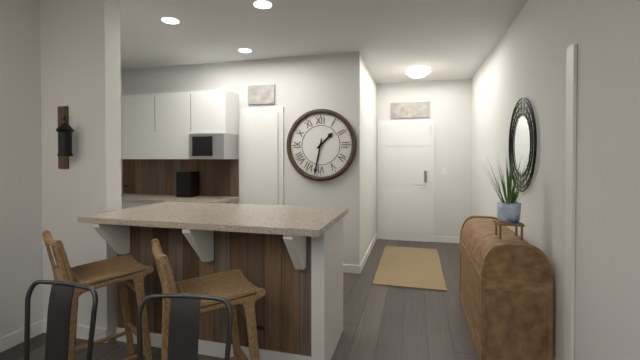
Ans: h=1 m=32
